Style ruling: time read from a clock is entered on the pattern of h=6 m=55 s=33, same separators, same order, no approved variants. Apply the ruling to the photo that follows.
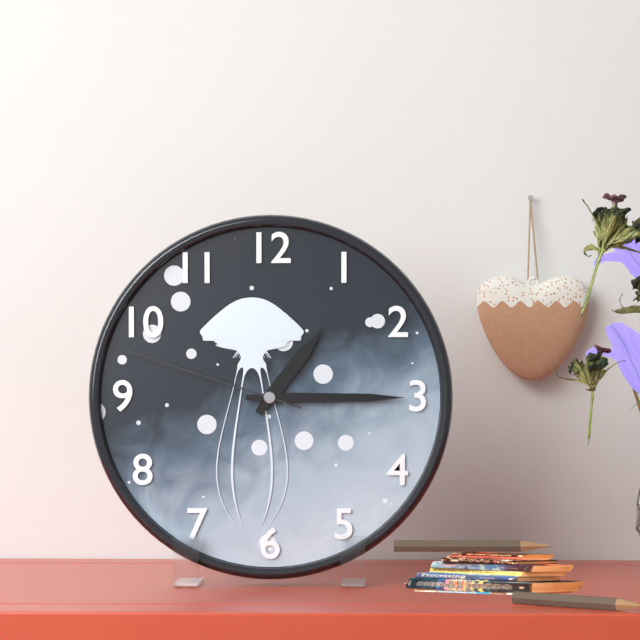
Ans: h=1 m=15 s=48
